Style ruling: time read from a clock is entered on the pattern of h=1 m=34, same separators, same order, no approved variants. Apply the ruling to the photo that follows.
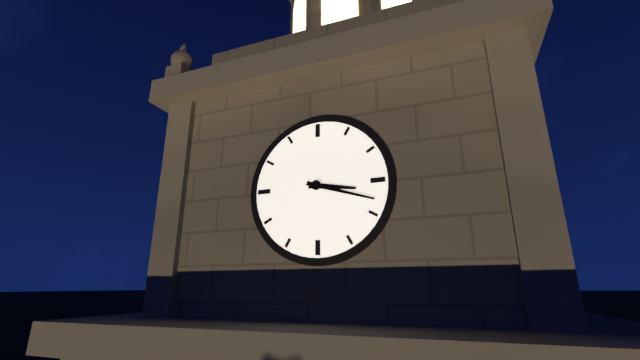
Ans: h=3 m=18
